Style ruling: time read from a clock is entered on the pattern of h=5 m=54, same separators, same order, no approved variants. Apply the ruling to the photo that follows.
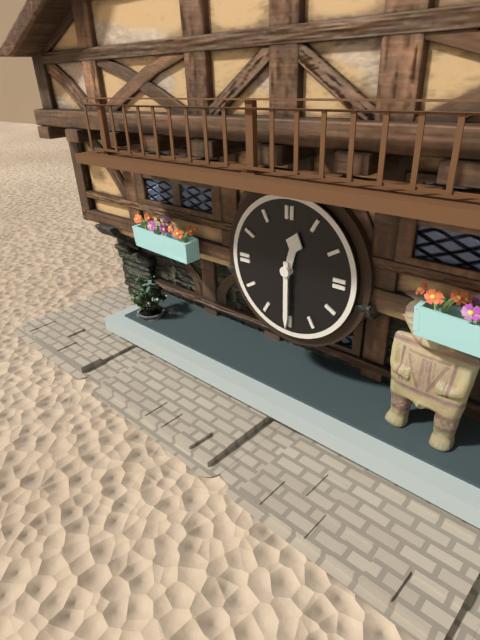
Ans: h=12 m=30
